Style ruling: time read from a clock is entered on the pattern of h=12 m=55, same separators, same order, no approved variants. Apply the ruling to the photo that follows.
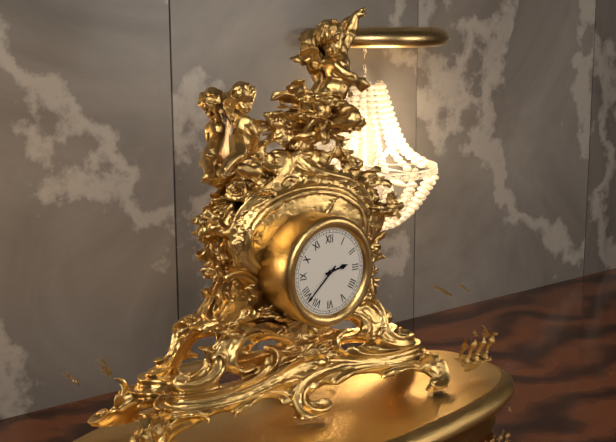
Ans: h=2 m=38
